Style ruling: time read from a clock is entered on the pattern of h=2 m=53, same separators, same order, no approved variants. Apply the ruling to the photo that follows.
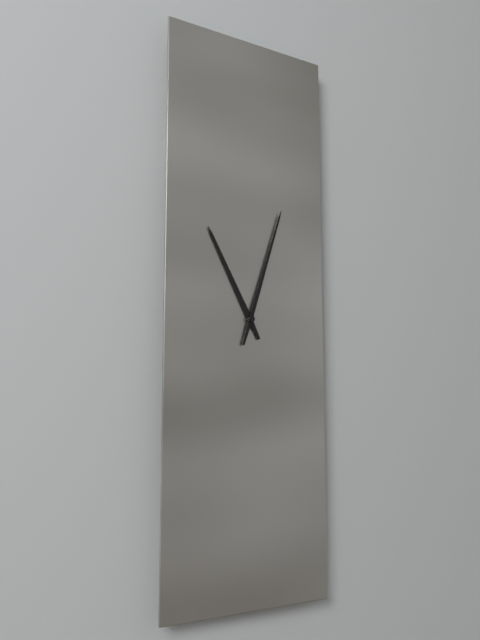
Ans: h=11 m=3
